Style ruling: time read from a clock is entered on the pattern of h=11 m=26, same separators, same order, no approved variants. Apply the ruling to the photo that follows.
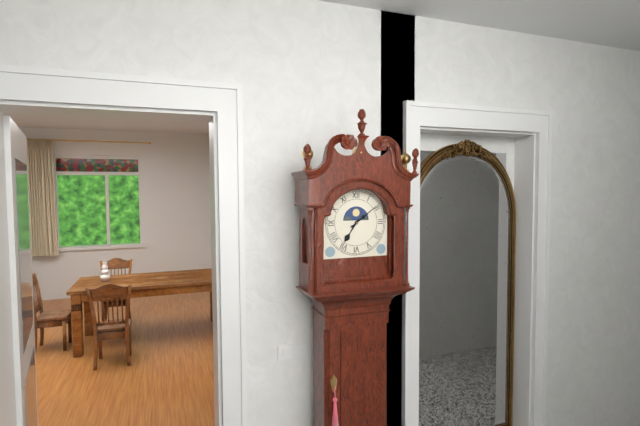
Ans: h=7 m=9
